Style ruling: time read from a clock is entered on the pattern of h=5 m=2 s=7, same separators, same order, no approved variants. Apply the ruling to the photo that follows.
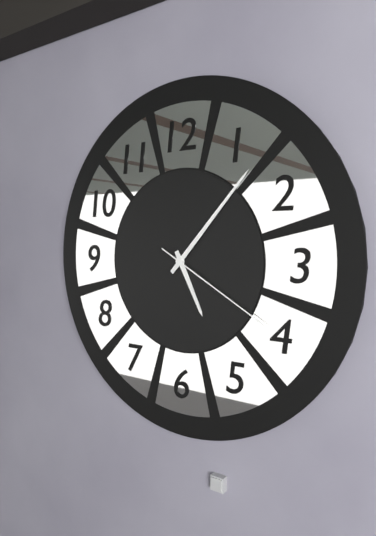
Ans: h=5 m=7 s=20
